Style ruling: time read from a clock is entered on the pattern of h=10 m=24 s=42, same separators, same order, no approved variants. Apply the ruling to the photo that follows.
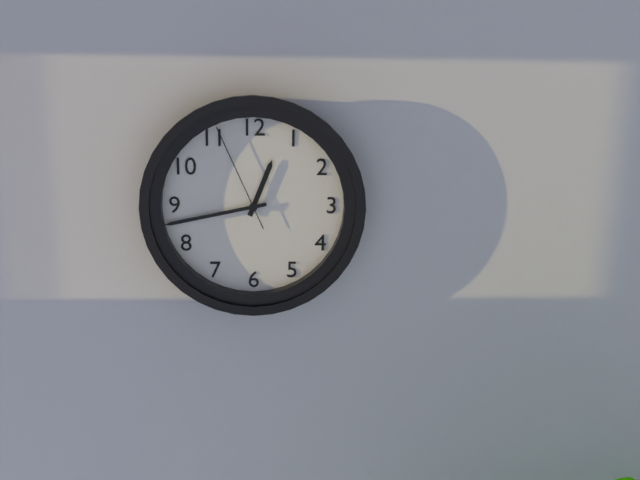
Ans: h=12 m=43 s=56
